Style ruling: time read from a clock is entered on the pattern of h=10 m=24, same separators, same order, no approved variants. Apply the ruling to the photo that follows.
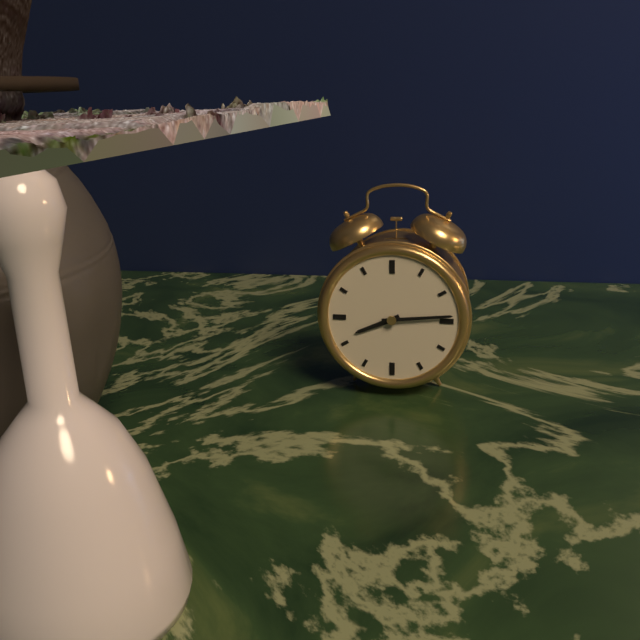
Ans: h=8 m=14
